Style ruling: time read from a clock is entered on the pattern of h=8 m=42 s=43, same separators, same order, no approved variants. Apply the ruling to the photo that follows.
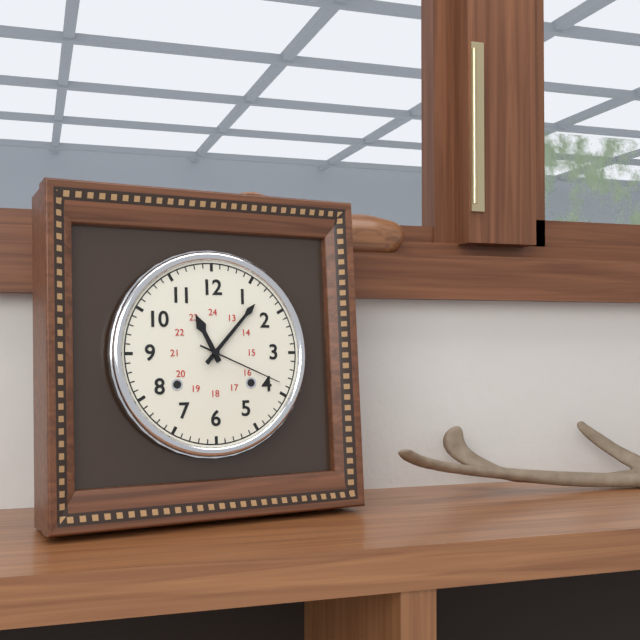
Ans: h=11 m=7 s=19
